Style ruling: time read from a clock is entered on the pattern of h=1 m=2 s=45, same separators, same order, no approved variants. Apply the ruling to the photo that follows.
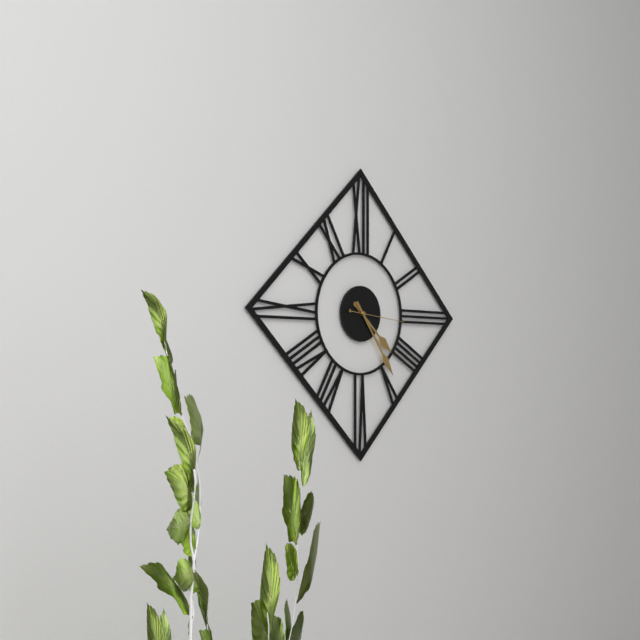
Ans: h=4 m=24 s=16
